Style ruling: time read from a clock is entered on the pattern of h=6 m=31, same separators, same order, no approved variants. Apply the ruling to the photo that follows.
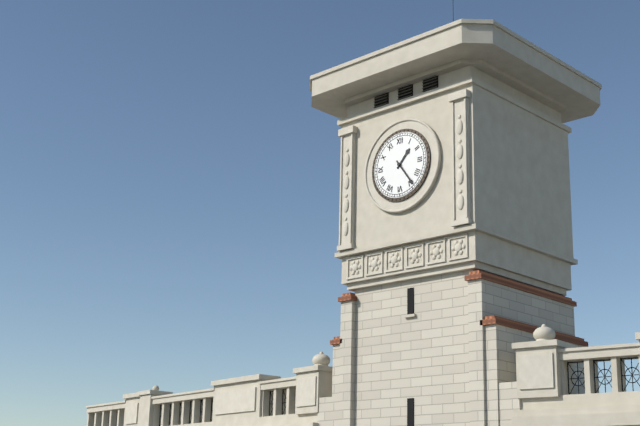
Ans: h=1 m=24
